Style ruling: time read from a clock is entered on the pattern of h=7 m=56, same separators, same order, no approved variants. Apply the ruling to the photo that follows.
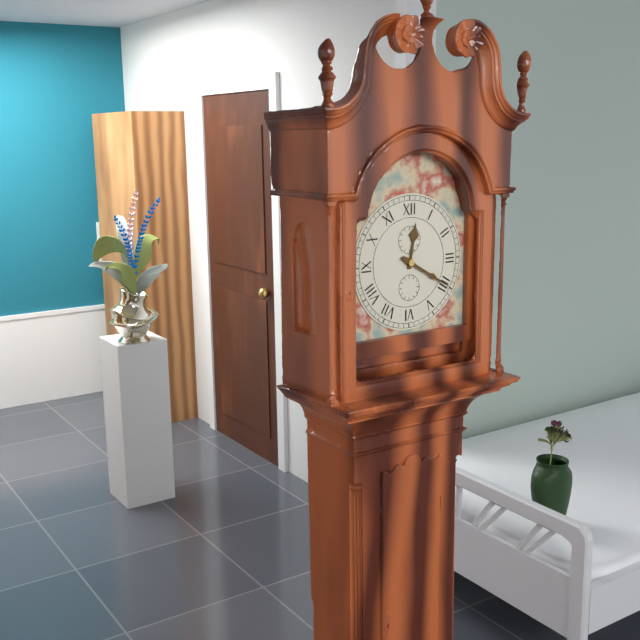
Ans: h=12 m=20
